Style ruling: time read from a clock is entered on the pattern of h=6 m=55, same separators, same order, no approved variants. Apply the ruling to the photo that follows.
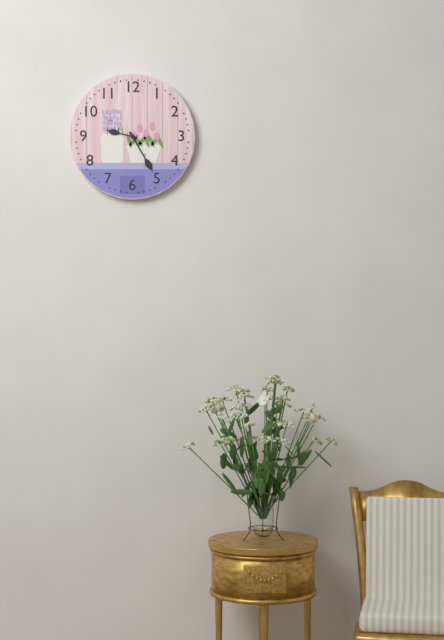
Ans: h=9 m=25
